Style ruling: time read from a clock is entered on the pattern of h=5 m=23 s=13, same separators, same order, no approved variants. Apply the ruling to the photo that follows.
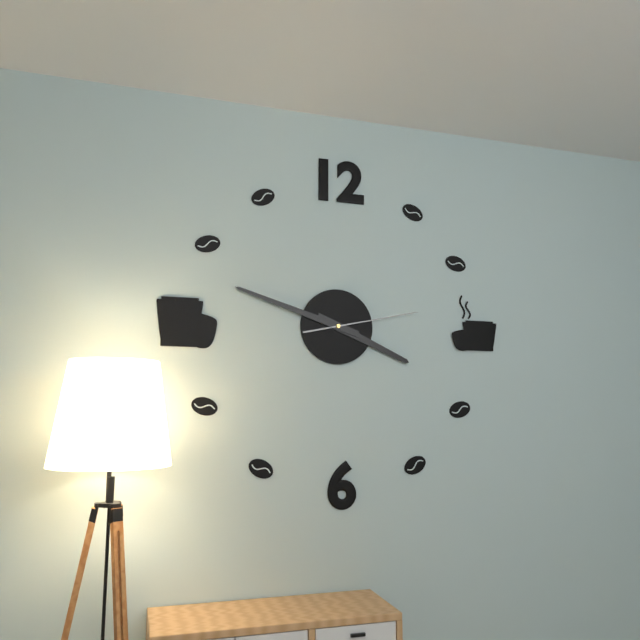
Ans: h=3 m=48 s=13
